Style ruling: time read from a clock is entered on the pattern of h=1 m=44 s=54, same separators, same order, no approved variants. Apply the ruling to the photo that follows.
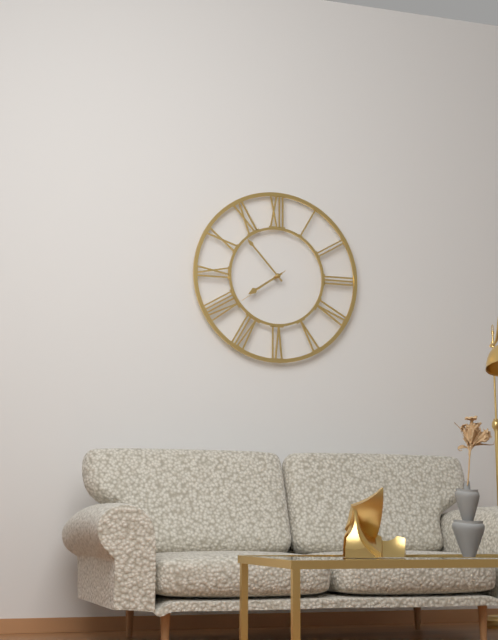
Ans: h=7 m=53 s=39
